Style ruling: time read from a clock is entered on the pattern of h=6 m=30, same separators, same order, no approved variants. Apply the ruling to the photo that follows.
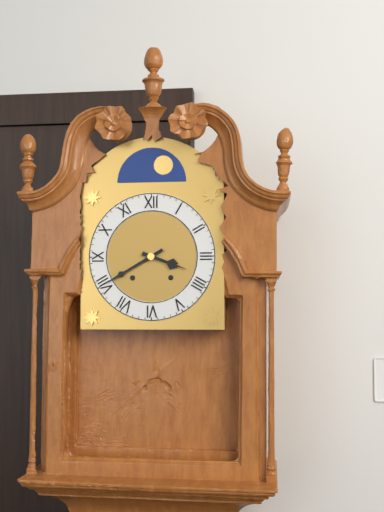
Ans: h=3 m=40
